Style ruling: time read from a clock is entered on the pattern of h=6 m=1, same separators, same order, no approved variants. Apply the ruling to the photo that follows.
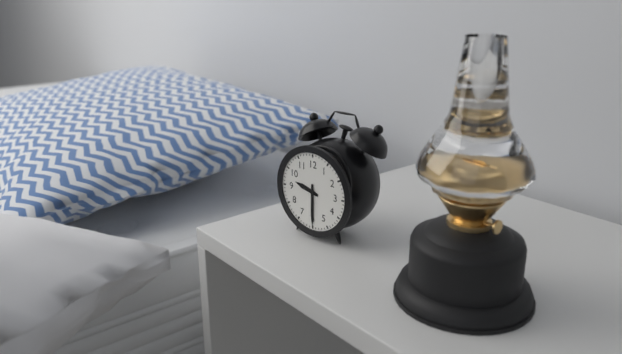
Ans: h=9 m=30
